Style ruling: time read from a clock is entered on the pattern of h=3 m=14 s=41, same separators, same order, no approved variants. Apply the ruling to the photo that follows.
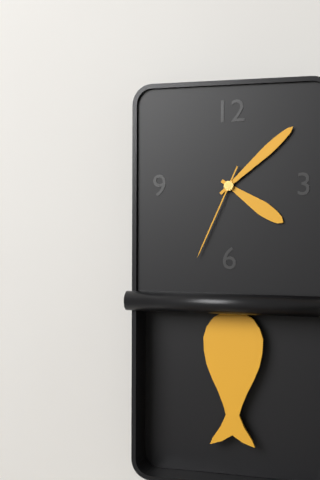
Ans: h=4 m=8 s=34
